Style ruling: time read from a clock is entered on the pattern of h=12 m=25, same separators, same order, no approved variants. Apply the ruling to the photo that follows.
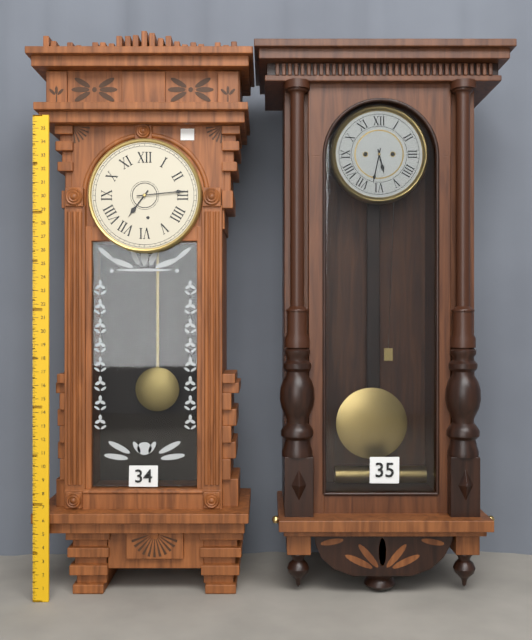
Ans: h=7 m=14
